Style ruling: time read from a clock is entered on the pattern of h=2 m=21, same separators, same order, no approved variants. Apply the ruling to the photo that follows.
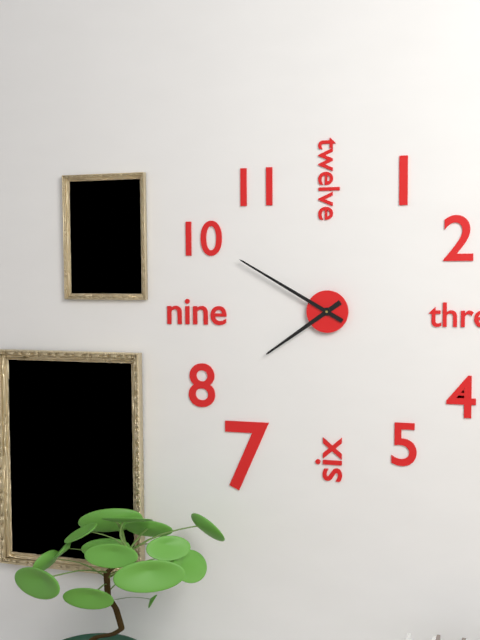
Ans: h=7 m=50
